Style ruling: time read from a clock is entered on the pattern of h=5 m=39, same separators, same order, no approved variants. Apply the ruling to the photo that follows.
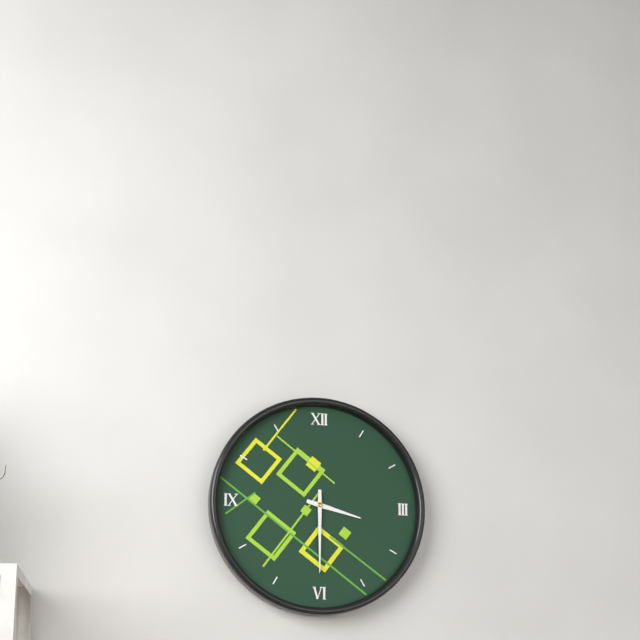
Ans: h=3 m=30
